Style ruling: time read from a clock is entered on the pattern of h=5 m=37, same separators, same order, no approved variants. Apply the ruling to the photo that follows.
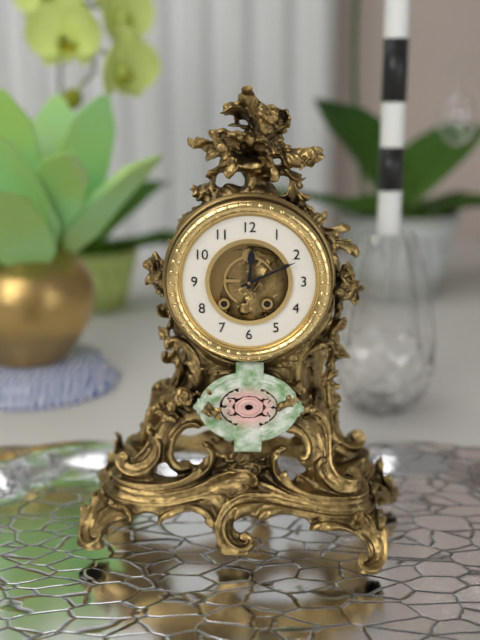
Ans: h=12 m=11
